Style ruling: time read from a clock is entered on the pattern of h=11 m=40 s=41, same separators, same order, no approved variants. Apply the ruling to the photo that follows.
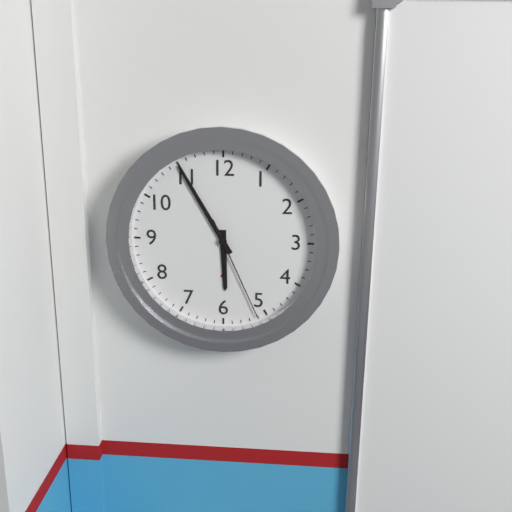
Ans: h=5 m=55 s=26
